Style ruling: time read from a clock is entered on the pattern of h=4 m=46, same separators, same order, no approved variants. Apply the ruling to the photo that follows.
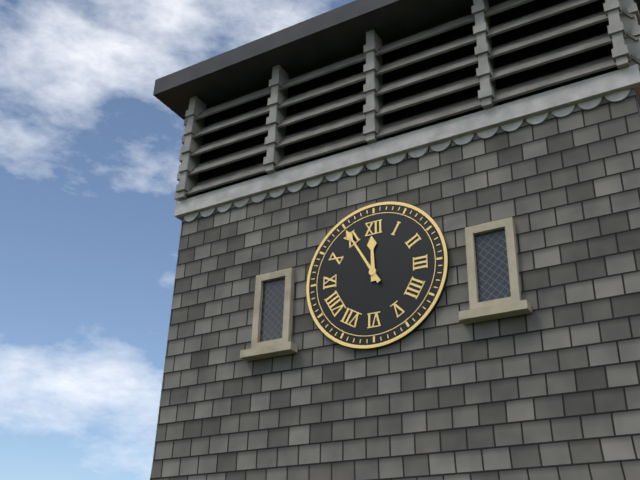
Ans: h=11 m=55
